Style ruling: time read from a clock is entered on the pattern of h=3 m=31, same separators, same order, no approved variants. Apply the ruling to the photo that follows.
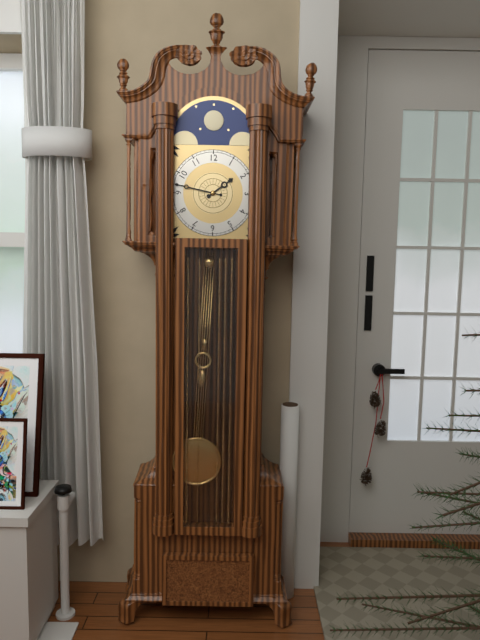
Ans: h=1 m=47
